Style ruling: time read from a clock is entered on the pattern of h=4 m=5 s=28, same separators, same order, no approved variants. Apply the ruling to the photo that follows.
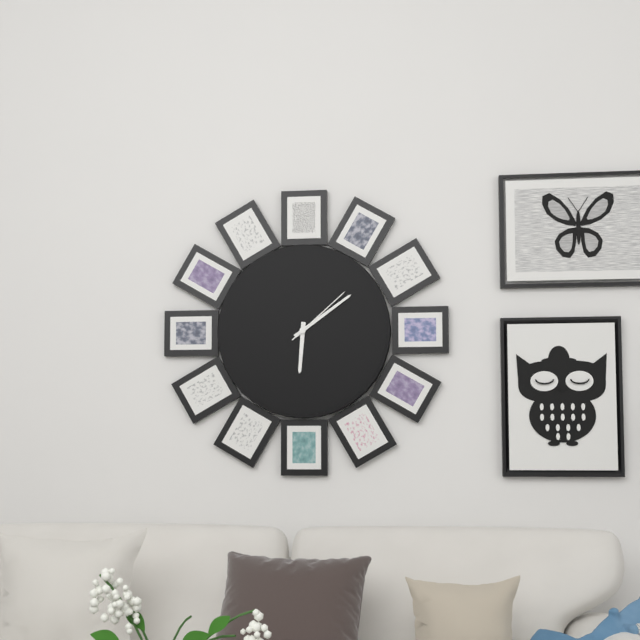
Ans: h=6 m=9 s=8
